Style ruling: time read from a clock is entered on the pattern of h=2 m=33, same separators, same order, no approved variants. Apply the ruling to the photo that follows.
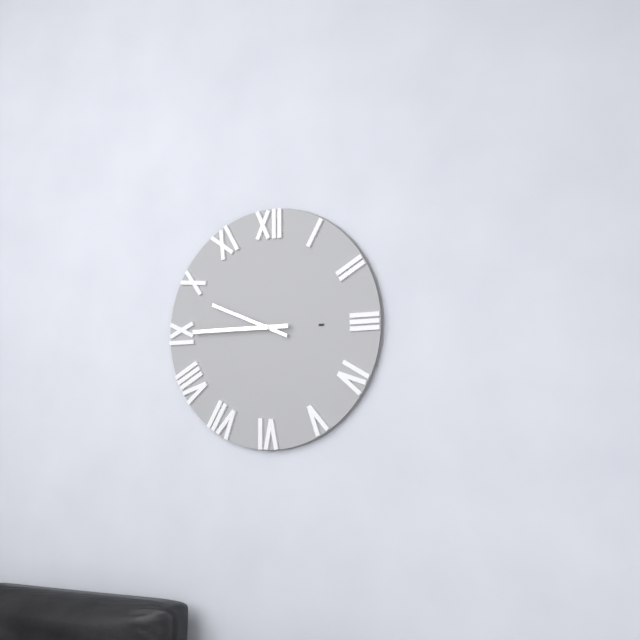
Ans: h=9 m=45
